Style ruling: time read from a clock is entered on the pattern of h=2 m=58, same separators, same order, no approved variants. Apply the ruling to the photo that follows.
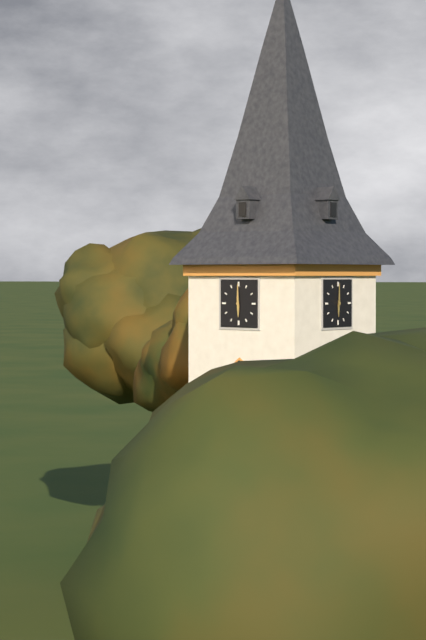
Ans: h=6 m=0
